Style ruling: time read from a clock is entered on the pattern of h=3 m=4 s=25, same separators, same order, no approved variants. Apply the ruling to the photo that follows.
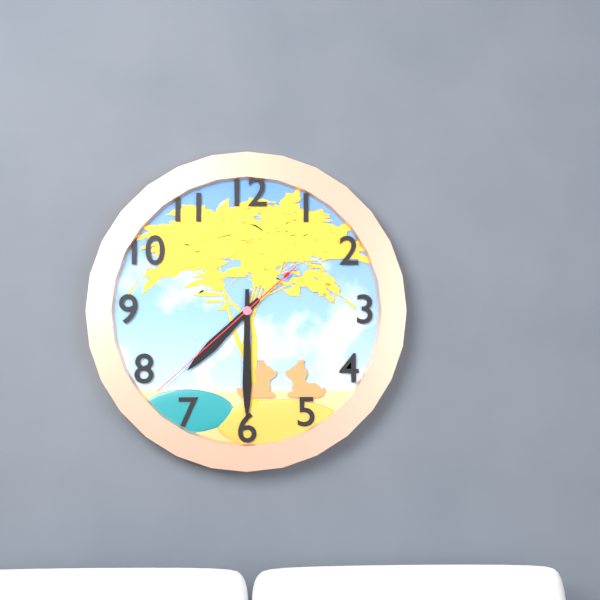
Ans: h=7 m=30 s=38
